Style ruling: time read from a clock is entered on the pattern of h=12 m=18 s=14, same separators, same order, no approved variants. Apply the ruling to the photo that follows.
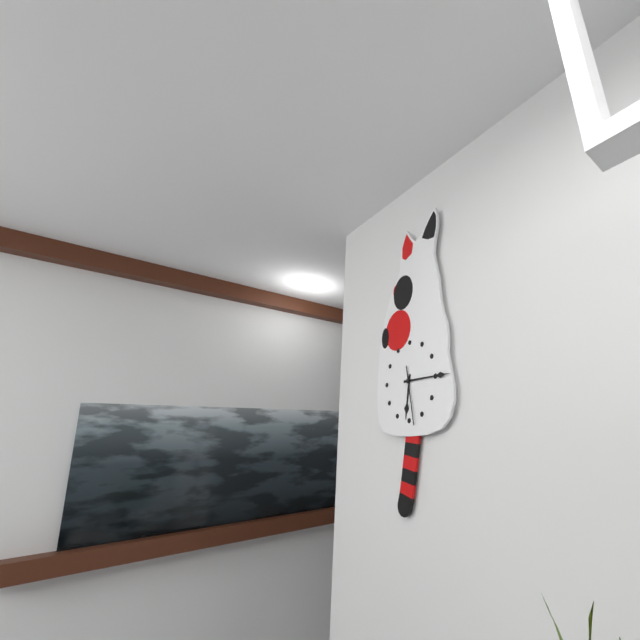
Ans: h=6 m=15 s=28
